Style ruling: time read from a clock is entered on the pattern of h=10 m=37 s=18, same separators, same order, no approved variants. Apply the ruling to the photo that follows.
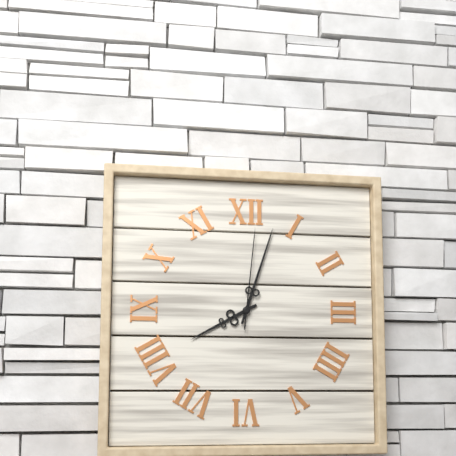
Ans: h=8 m=3 s=1
